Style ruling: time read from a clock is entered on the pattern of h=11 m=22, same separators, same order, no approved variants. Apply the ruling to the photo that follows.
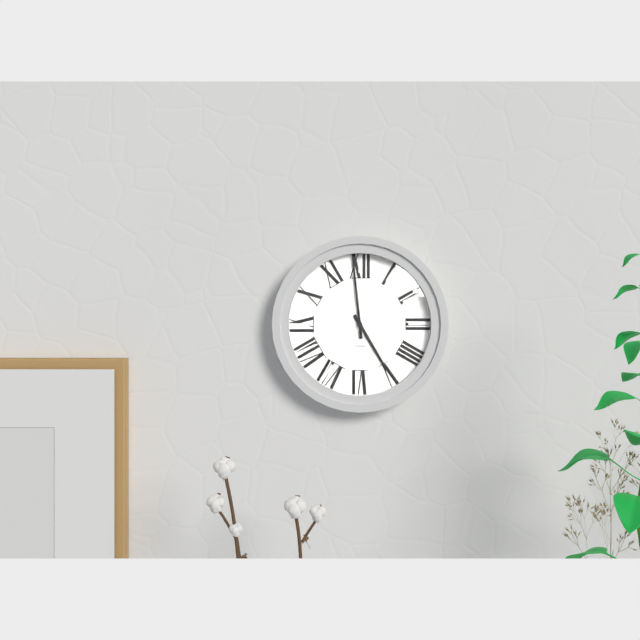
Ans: h=4 m=59
